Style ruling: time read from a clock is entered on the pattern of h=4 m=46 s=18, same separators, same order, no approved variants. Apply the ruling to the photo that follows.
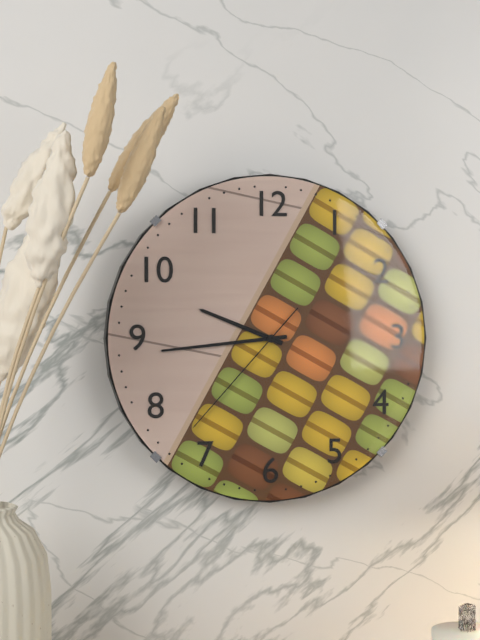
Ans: h=9 m=44 s=37
